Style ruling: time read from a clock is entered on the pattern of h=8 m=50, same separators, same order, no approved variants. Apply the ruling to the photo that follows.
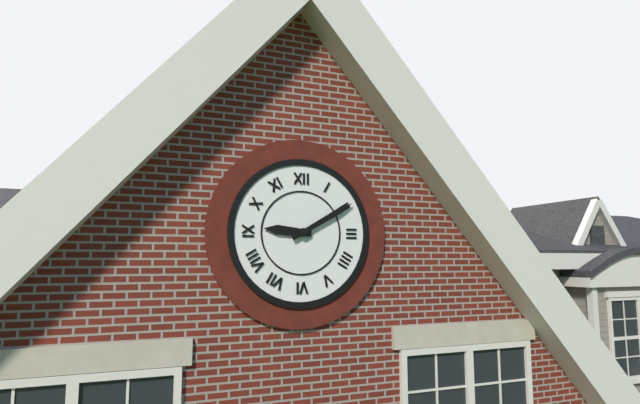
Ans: h=9 m=10
